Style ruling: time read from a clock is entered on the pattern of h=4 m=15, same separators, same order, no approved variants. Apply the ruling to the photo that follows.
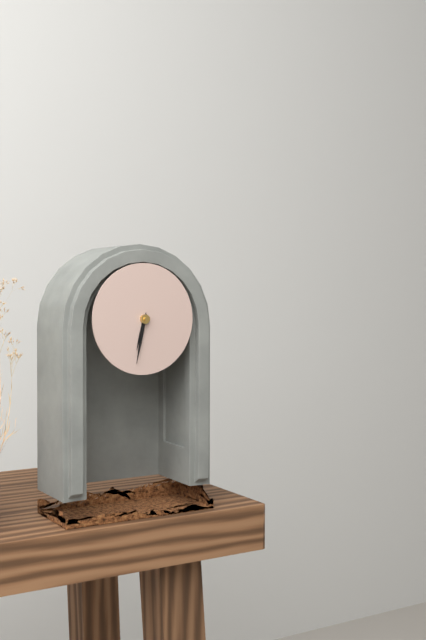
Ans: h=6 m=32
